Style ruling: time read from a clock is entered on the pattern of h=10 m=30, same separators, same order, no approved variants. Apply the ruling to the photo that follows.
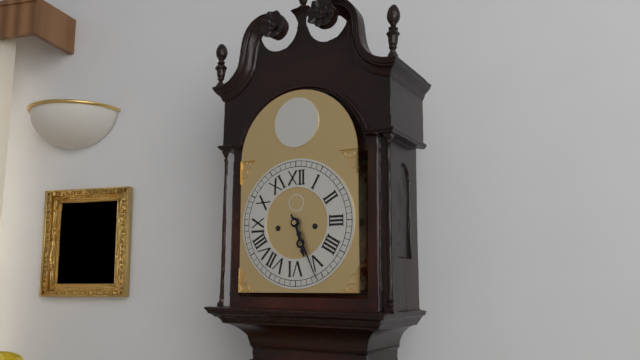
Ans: h=5 m=26
